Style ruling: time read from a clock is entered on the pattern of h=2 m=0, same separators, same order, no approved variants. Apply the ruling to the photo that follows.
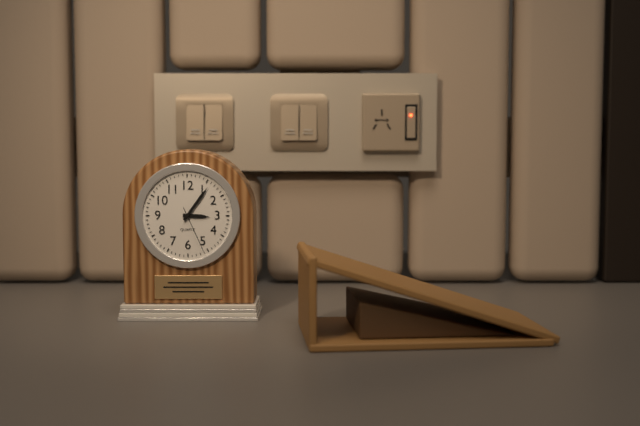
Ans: h=3 m=6
